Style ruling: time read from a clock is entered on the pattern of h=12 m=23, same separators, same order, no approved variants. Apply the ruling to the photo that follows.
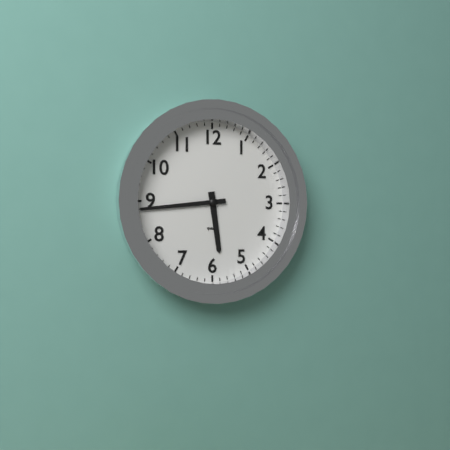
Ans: h=5 m=44
